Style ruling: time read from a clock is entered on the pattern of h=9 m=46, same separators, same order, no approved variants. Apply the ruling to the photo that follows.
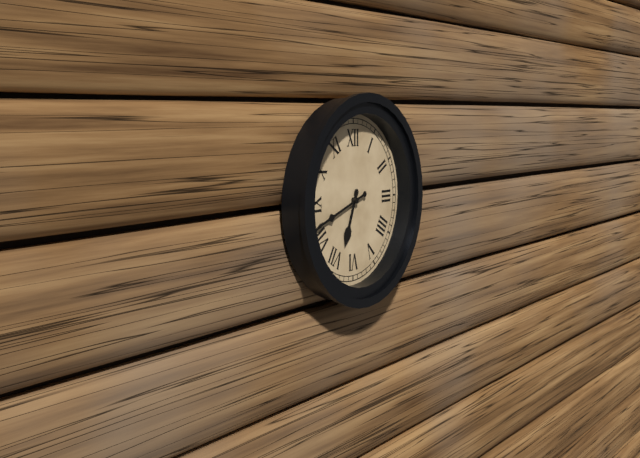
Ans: h=6 m=42
